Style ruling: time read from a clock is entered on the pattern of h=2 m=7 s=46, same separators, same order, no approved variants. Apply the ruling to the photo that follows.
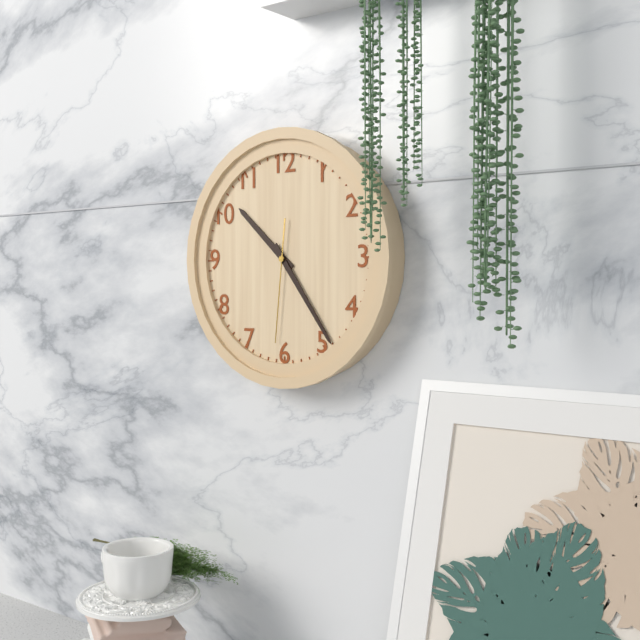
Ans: h=10 m=24 s=31
